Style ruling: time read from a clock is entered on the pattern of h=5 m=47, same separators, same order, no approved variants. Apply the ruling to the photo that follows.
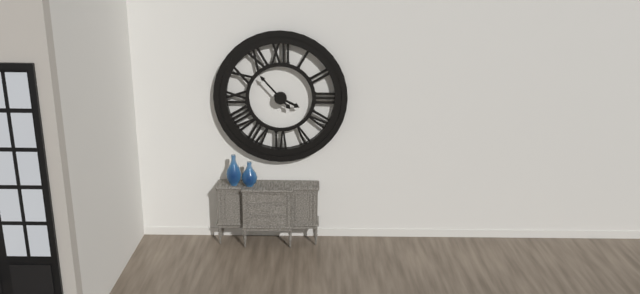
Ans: h=3 m=53
